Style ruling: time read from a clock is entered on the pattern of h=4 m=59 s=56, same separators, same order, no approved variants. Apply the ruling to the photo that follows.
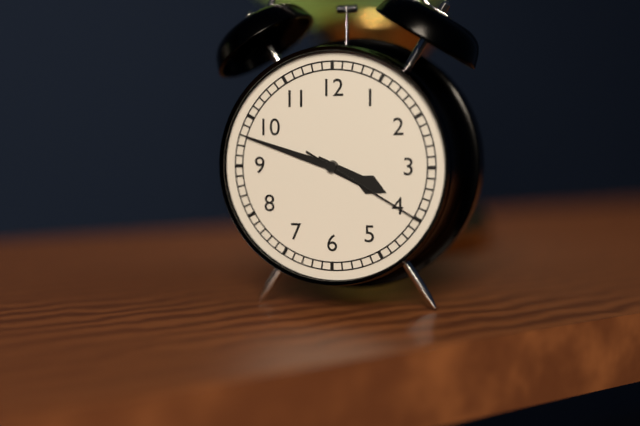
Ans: h=3 m=48 s=20
